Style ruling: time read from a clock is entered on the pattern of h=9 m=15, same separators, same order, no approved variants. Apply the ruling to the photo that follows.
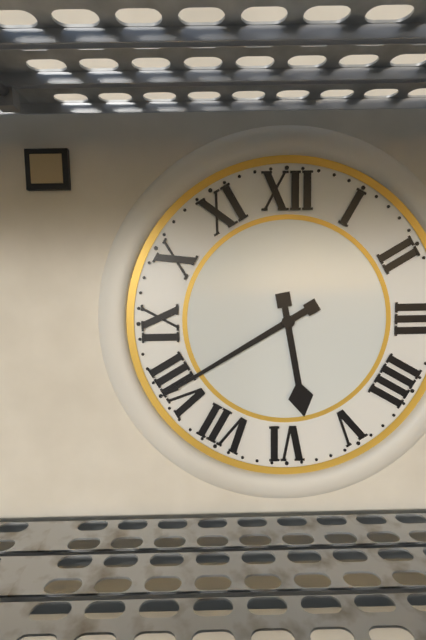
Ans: h=5 m=40
